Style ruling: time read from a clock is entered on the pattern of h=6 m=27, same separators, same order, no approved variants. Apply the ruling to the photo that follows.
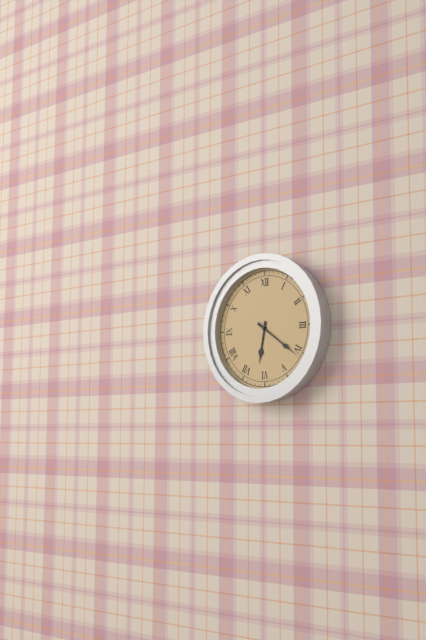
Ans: h=6 m=21
